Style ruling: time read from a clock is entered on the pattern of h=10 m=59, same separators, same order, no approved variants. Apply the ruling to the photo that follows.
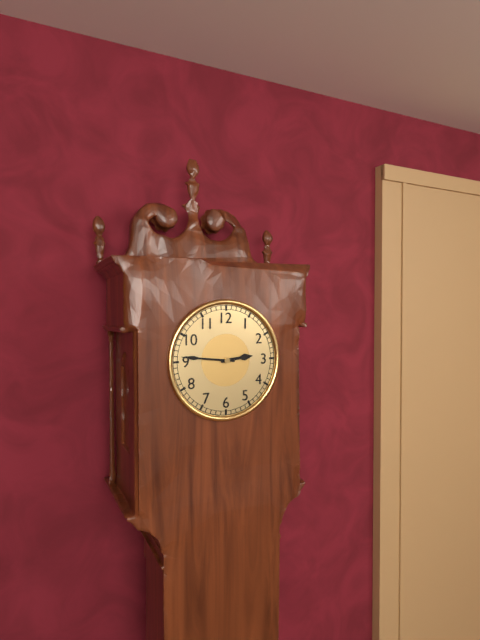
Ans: h=2 m=46
